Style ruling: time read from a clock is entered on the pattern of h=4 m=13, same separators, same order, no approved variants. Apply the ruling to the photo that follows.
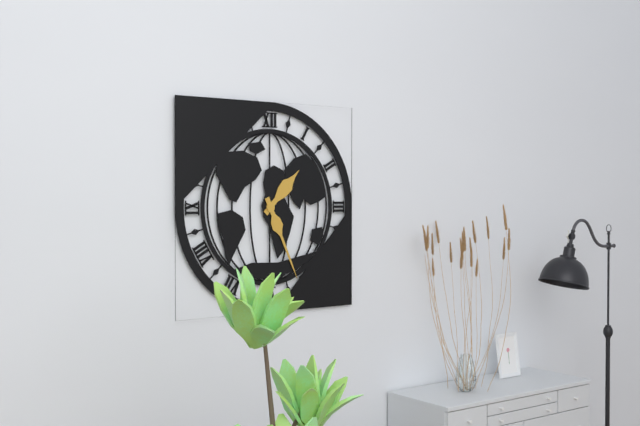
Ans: h=1 m=26
